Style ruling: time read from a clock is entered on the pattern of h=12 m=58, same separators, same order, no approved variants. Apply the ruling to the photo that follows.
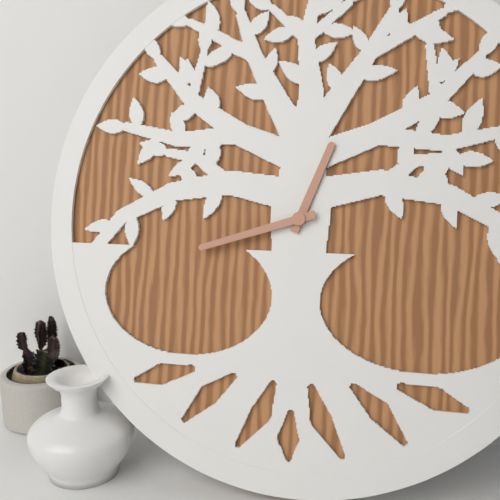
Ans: h=12 m=42
